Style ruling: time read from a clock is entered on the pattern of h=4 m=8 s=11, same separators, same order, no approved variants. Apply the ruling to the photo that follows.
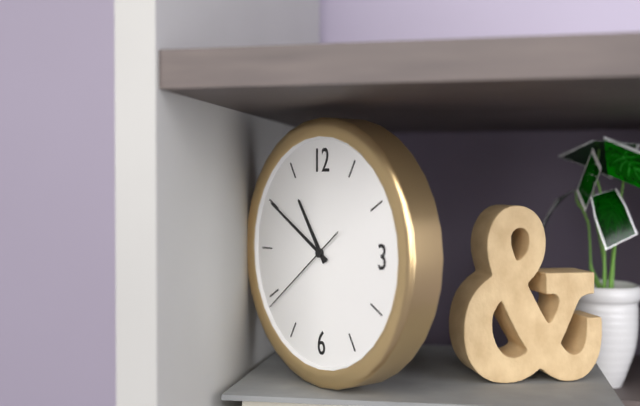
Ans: h=10 m=50 s=39
